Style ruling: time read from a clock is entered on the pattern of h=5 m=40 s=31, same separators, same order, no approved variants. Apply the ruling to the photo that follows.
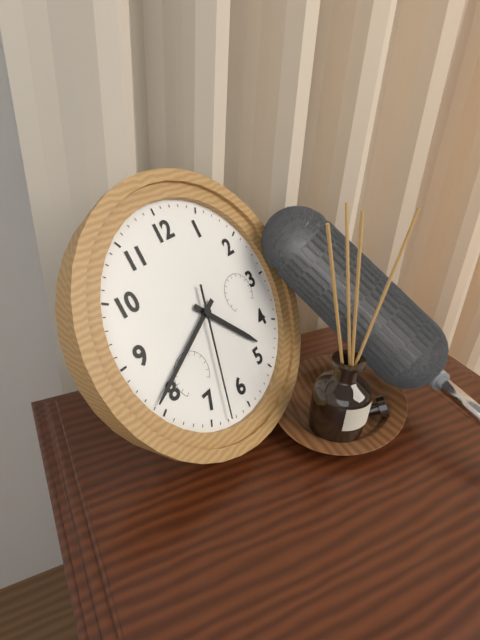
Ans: h=4 m=41 s=33
